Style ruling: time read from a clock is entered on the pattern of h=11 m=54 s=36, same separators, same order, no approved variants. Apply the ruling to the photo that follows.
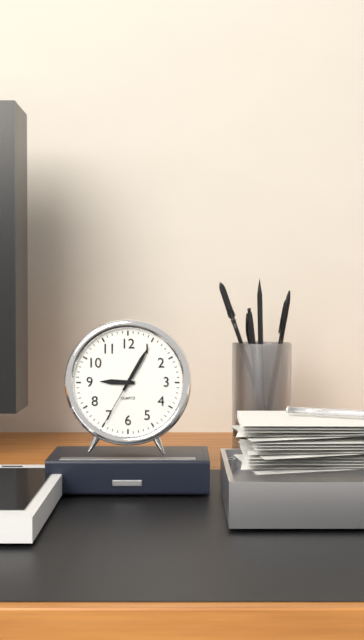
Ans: h=9 m=5 s=35
